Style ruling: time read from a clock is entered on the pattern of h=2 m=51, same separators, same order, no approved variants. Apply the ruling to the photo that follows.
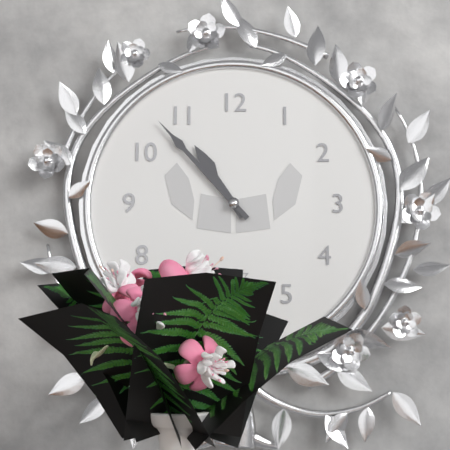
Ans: h=10 m=53
